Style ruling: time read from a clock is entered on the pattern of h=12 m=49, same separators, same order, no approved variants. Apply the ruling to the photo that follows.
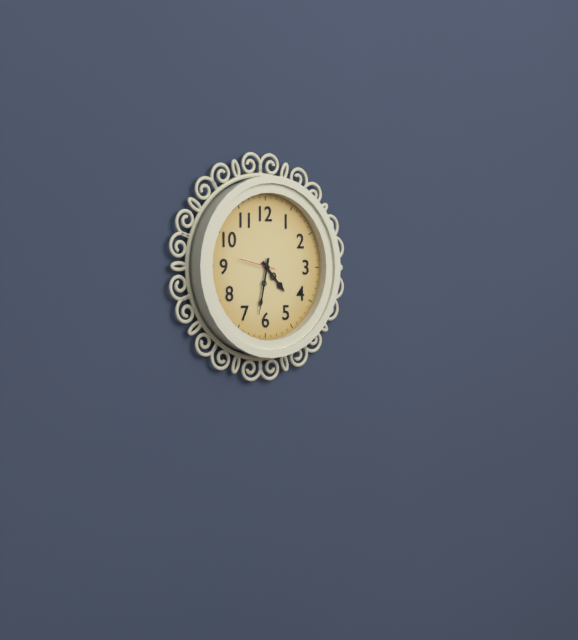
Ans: h=4 m=32
